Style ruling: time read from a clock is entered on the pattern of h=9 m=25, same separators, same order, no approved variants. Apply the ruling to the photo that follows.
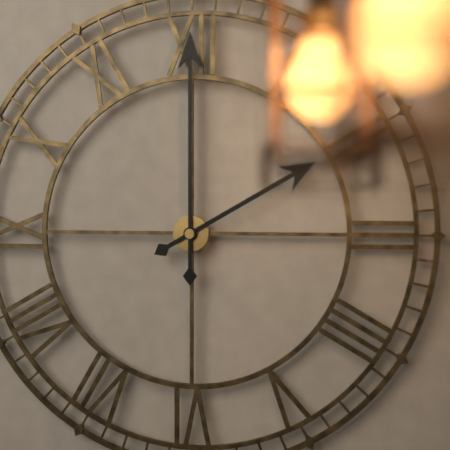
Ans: h=2 m=0
